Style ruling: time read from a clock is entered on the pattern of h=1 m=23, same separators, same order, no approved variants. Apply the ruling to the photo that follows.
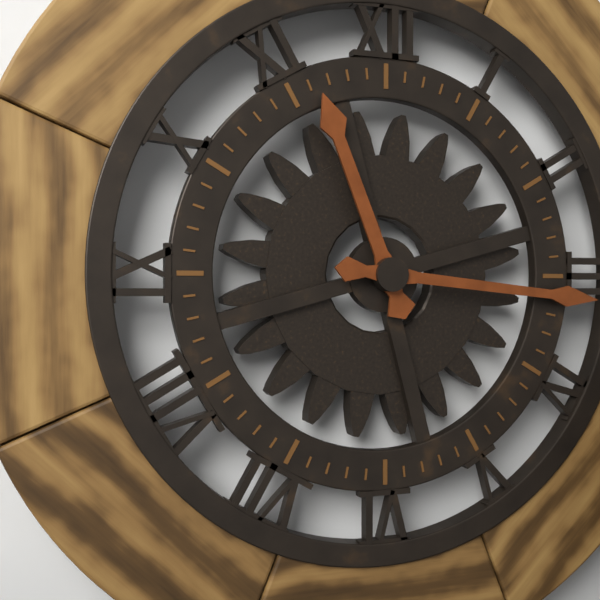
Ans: h=11 m=16
